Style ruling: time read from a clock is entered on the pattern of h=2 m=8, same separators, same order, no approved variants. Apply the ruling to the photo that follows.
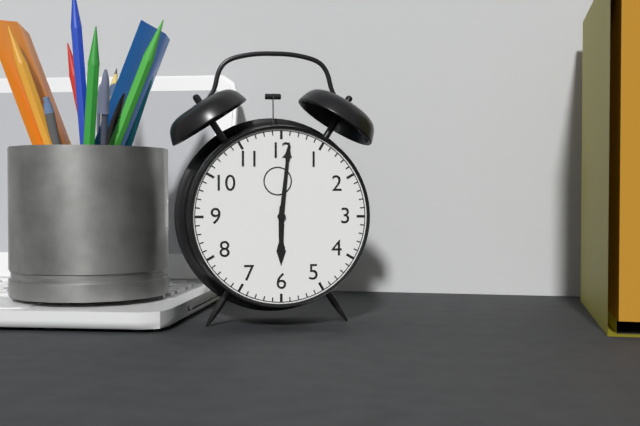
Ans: h=6 m=1
